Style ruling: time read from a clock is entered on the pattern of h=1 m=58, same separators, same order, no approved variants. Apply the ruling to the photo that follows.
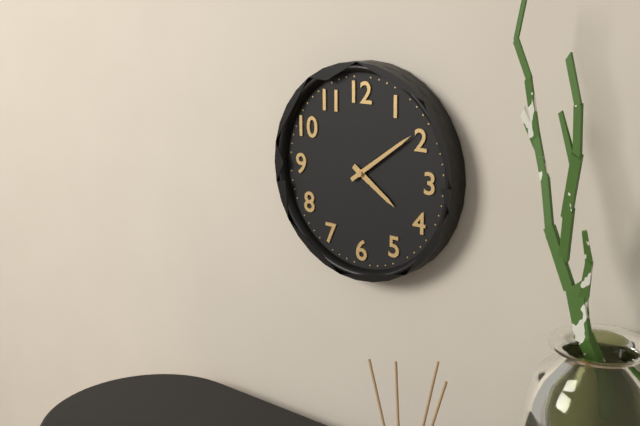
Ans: h=4 m=9
